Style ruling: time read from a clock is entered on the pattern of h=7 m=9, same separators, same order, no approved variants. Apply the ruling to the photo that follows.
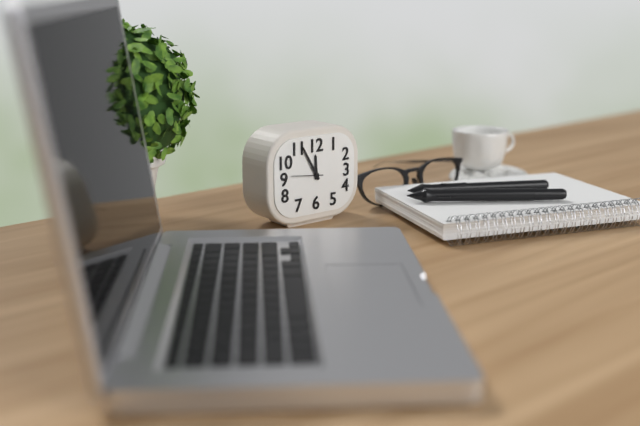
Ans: h=11 m=55
